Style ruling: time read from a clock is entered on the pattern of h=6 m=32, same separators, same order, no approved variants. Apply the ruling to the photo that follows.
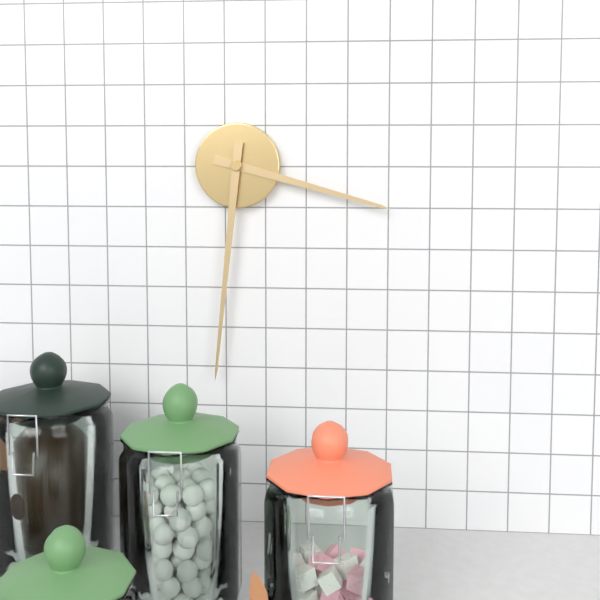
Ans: h=3 m=31
